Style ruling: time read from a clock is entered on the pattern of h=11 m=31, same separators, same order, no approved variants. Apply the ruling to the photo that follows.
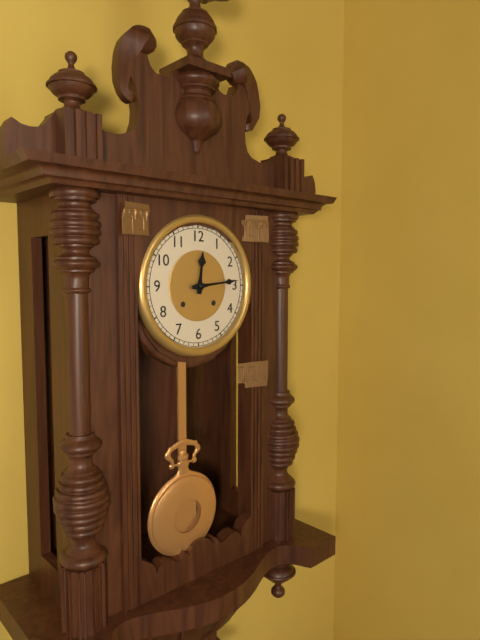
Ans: h=12 m=14
